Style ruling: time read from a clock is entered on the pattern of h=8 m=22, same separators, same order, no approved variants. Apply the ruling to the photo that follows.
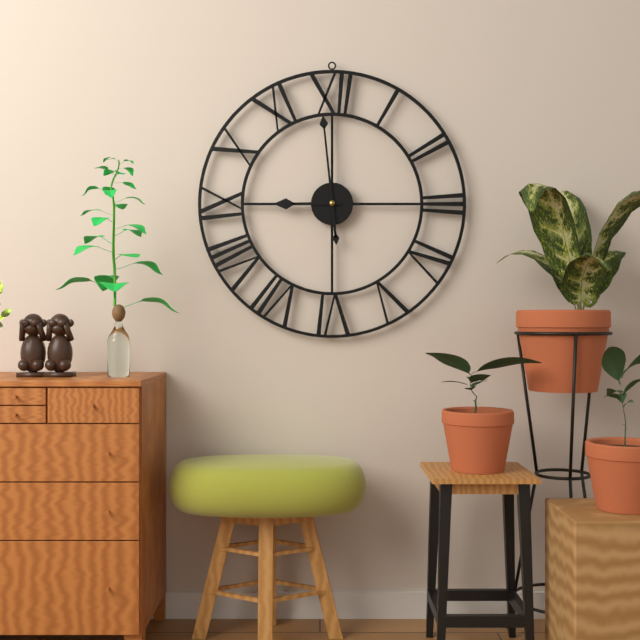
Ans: h=8 m=59
